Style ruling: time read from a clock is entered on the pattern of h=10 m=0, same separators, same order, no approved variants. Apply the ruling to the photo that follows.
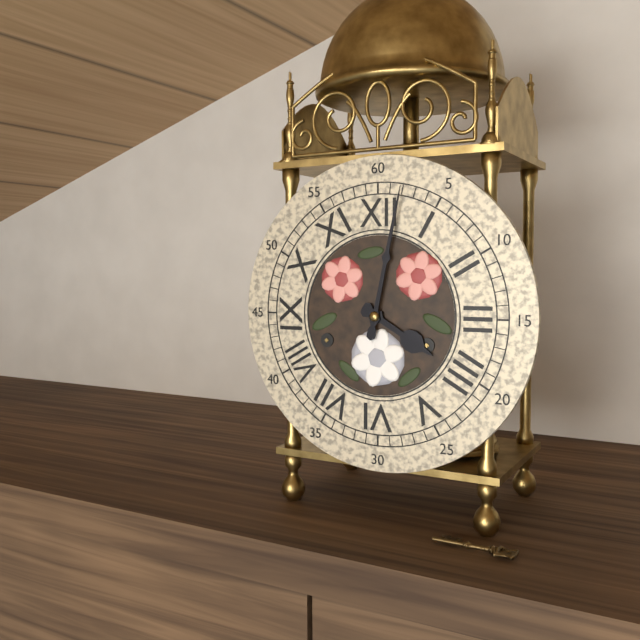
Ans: h=4 m=2
